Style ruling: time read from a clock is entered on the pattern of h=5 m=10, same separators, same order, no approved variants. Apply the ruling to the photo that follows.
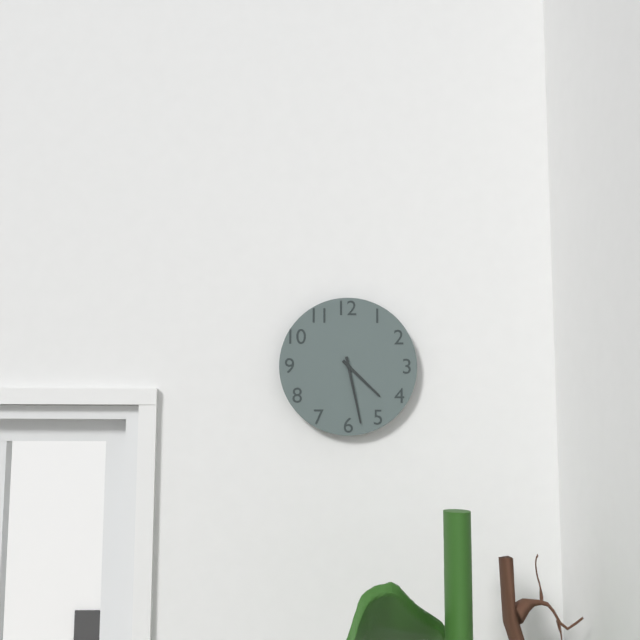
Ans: h=4 m=28
